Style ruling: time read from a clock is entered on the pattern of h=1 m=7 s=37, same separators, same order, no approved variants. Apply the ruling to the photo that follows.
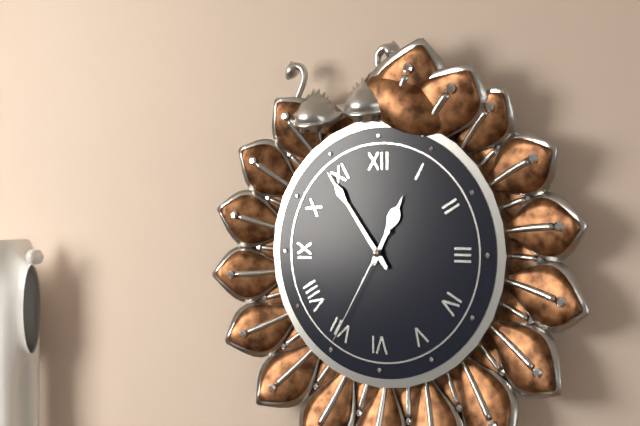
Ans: h=12 m=54 s=35
